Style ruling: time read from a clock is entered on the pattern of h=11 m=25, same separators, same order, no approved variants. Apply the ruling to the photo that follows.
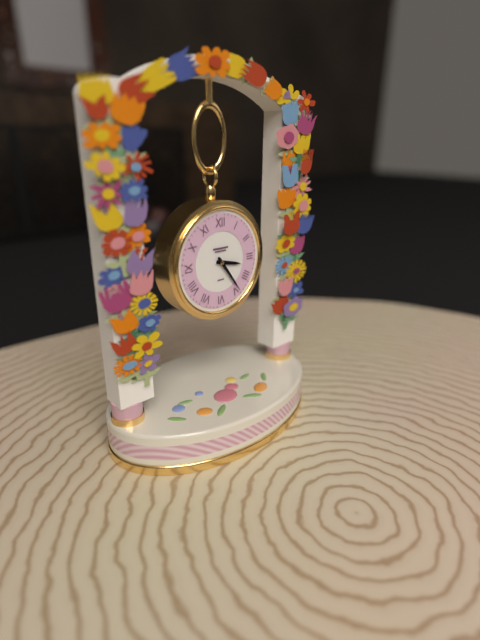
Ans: h=3 m=24
